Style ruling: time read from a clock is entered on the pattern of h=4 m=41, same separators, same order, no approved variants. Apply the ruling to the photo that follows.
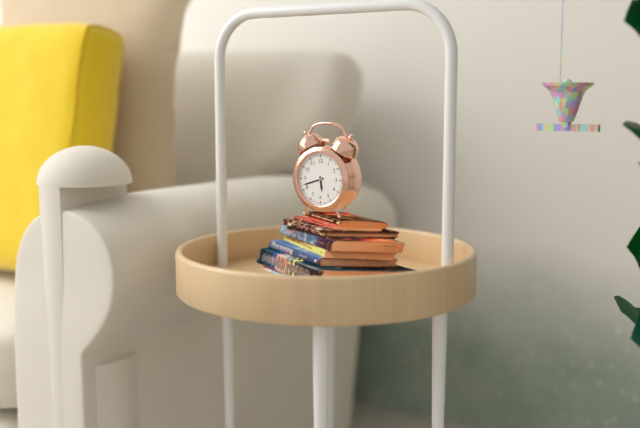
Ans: h=5 m=42
